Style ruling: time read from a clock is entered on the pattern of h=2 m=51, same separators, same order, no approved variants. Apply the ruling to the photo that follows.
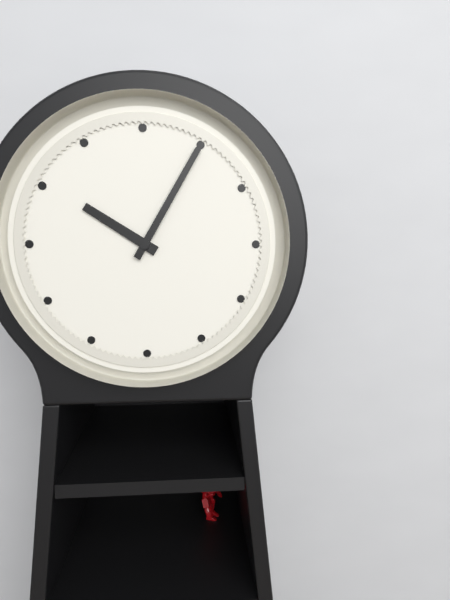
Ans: h=10 m=5
